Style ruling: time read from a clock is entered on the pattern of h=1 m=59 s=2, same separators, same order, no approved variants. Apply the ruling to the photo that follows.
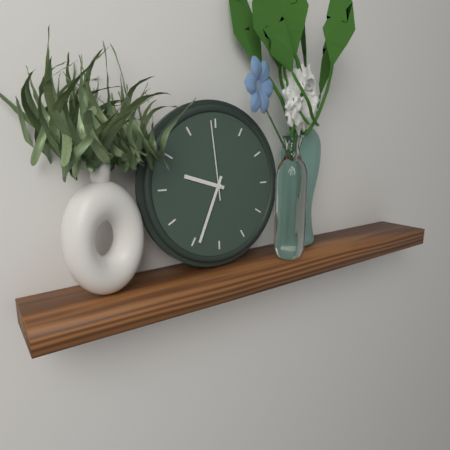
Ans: h=9 m=34 s=59
